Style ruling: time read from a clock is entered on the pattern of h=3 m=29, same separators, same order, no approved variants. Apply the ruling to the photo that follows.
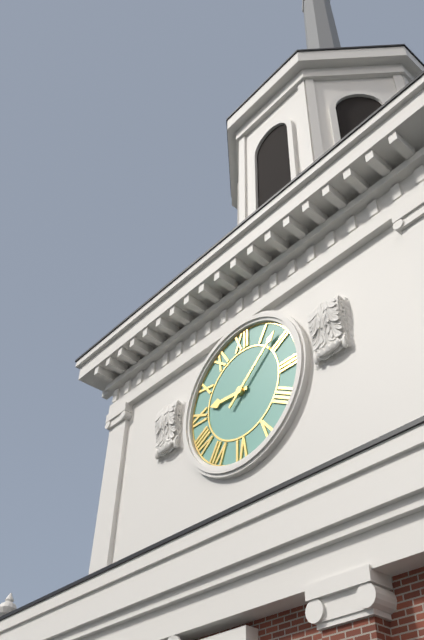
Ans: h=9 m=8
